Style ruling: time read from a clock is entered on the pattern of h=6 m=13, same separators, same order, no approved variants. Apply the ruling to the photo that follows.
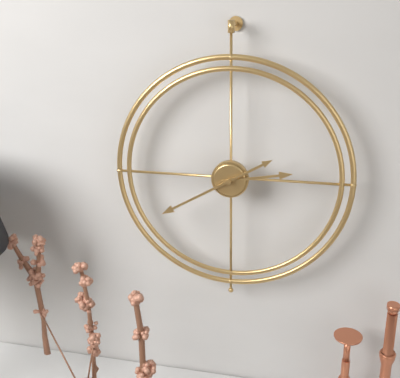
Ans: h=2 m=40
